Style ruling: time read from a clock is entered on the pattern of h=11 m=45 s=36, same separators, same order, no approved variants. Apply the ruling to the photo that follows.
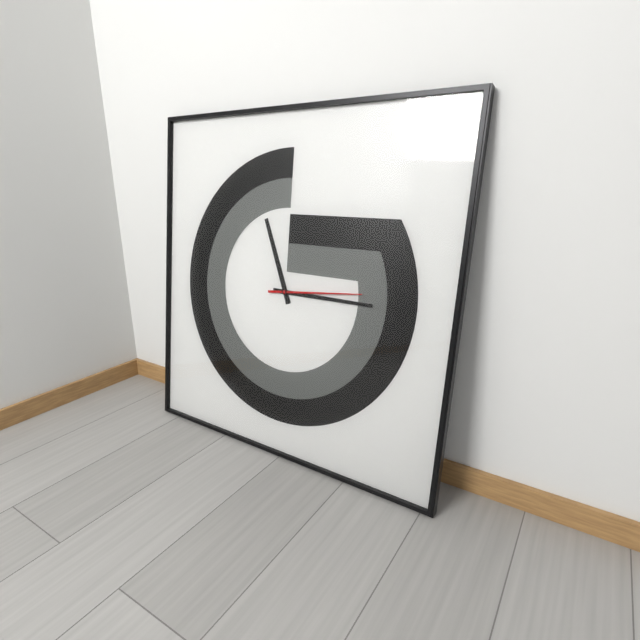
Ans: h=11 m=15 s=14
